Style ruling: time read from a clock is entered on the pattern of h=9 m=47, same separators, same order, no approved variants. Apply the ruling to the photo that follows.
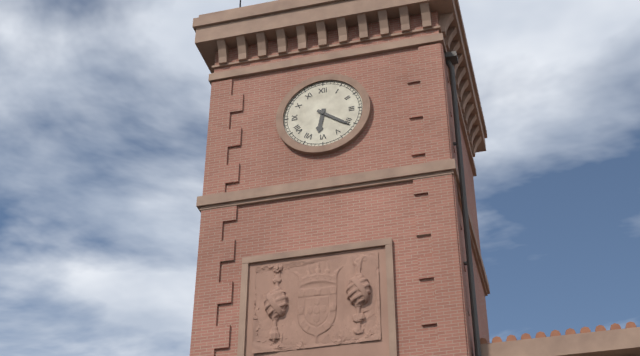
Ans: h=6 m=21
